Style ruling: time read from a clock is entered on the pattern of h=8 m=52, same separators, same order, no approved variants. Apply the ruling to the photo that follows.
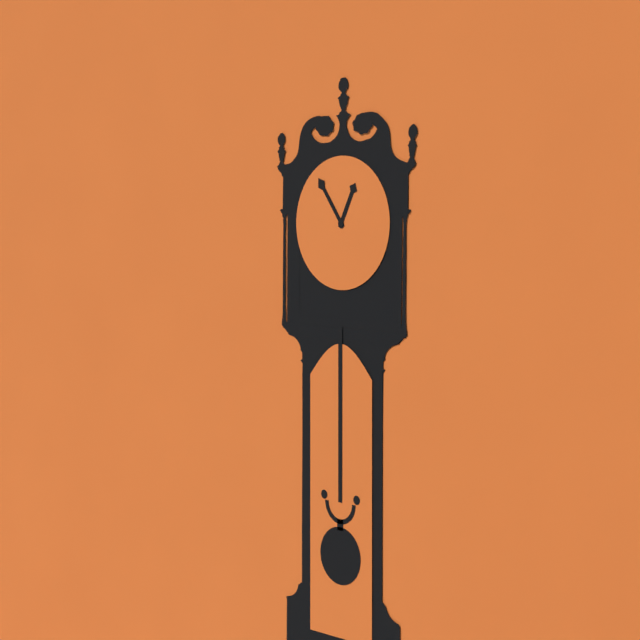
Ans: h=12 m=54
